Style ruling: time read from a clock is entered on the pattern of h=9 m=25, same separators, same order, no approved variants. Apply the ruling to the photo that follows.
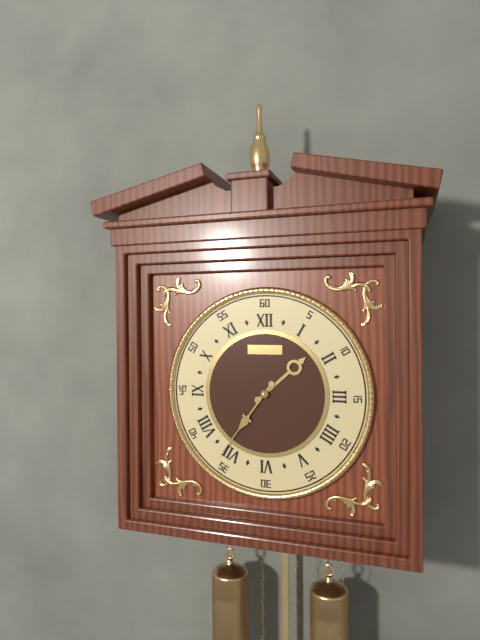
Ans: h=1 m=36
